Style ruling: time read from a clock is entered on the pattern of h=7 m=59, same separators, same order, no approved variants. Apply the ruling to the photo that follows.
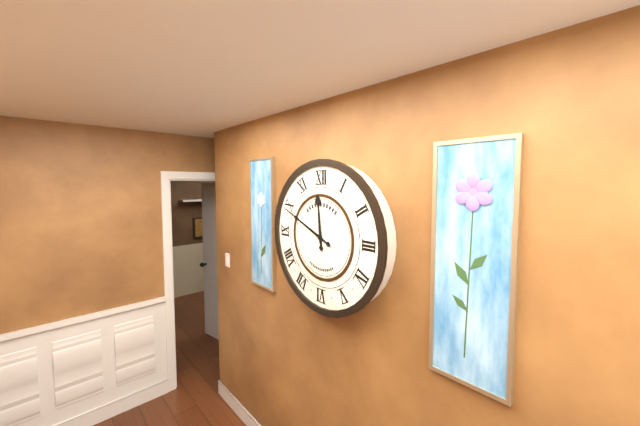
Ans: h=11 m=49
